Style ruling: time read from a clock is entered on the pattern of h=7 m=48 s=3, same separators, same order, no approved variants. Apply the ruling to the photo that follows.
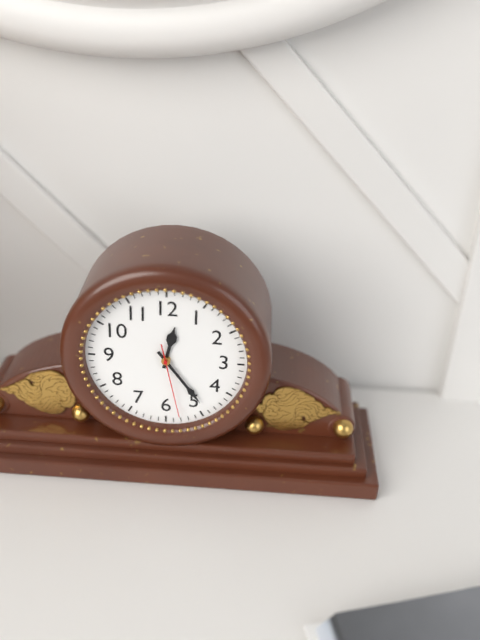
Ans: h=12 m=24 s=28
